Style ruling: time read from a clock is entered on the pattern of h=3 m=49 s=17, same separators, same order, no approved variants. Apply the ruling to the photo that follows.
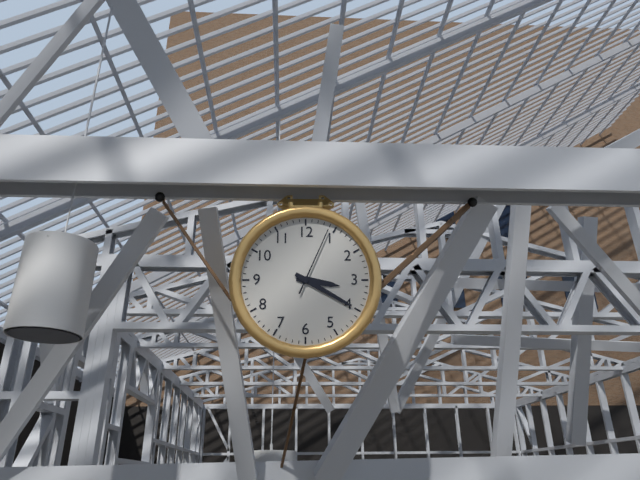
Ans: h=3 m=20 s=4
